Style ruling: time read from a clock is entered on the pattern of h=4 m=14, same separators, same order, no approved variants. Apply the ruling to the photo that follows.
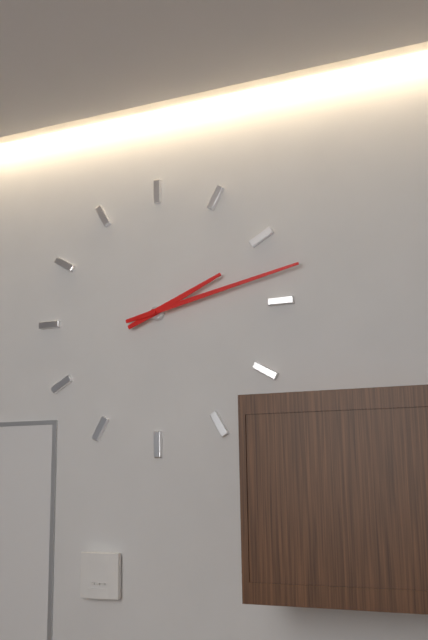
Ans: h=2 m=13
